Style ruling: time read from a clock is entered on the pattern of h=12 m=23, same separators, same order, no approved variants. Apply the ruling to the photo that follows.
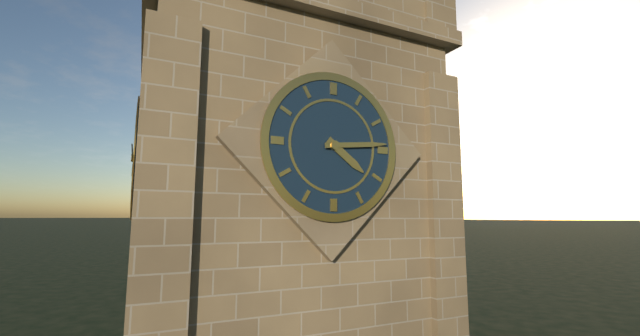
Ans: h=4 m=14
